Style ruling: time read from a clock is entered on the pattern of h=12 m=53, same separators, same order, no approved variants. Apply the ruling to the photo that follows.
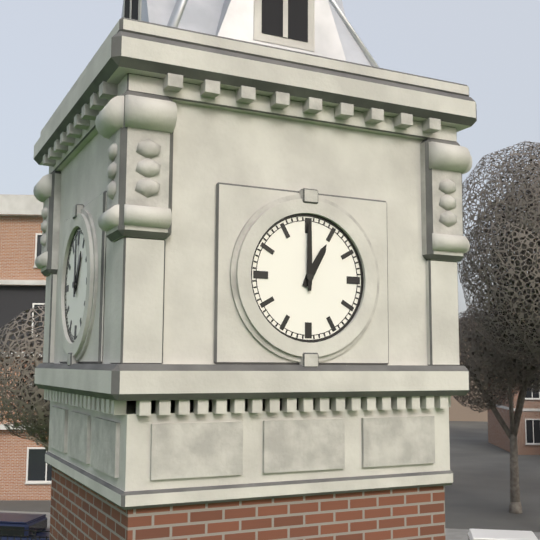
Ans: h=1 m=0
